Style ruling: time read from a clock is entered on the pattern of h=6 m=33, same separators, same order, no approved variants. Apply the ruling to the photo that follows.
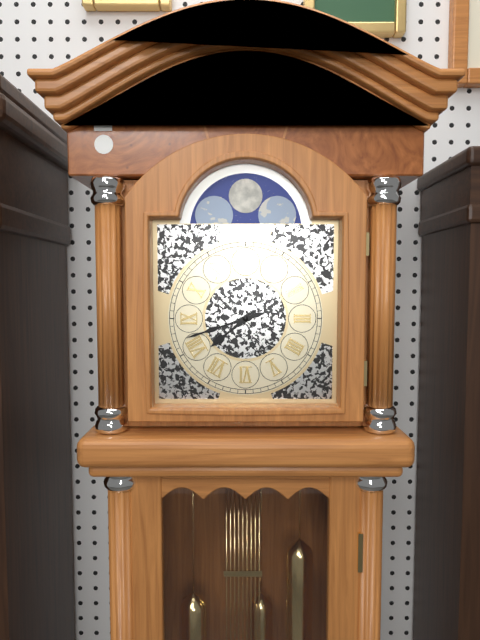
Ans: h=7 m=42
